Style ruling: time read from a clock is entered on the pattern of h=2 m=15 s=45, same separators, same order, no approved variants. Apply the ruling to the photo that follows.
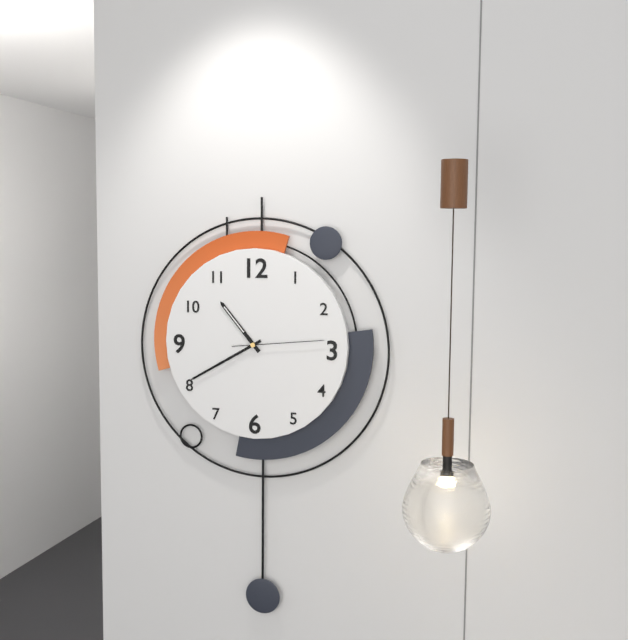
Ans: h=10 m=40 s=14
